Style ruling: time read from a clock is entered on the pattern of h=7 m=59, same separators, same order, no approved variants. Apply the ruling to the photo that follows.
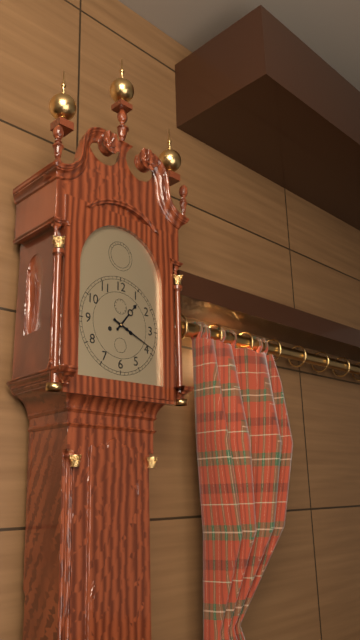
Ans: h=1 m=19
